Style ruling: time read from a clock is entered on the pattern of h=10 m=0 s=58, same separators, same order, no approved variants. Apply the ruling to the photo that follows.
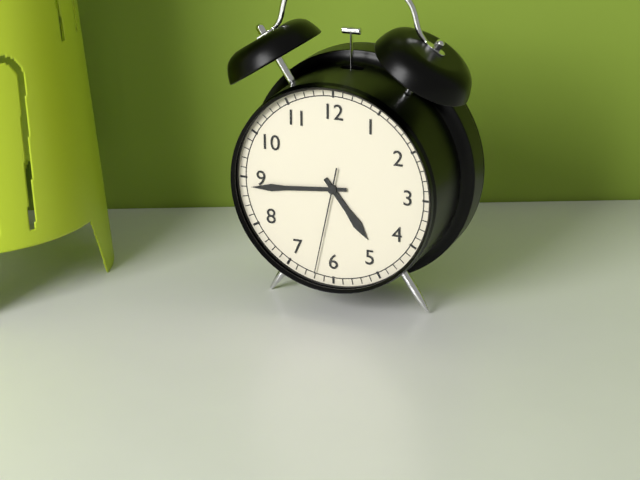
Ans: h=4 m=44 s=32
